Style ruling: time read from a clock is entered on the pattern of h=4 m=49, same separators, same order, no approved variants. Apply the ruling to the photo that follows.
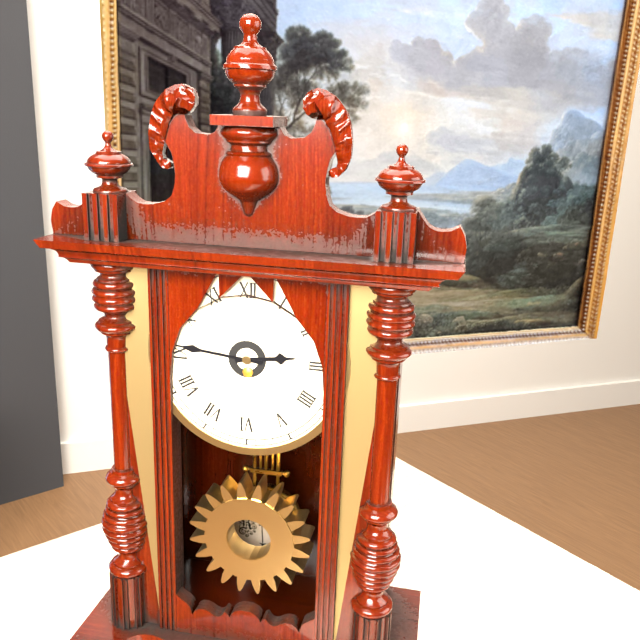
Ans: h=2 m=46
